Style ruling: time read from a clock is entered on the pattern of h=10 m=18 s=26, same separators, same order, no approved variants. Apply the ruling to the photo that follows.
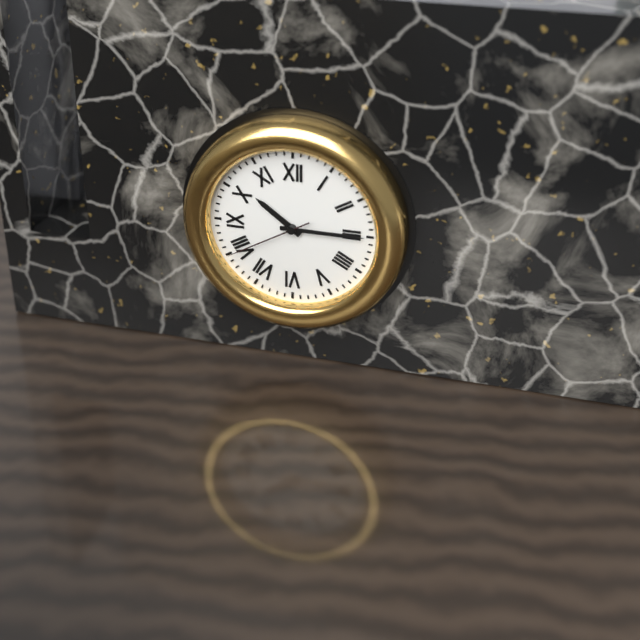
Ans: h=10 m=15 s=40
